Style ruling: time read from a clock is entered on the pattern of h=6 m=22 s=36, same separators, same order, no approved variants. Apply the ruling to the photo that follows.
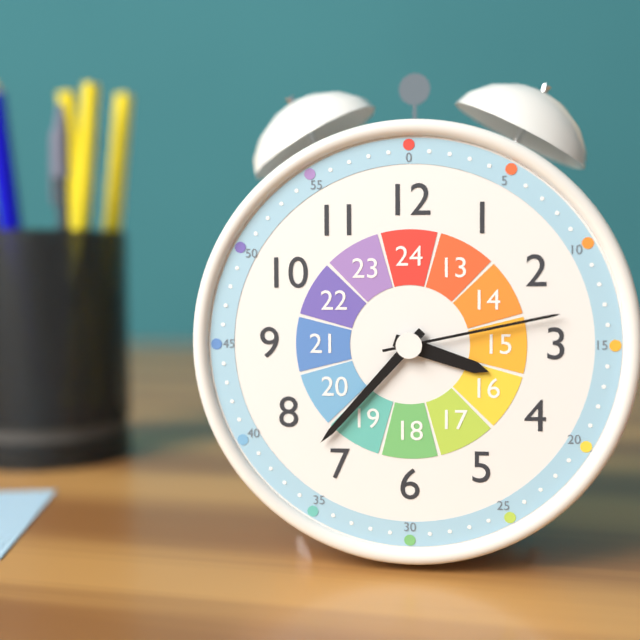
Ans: h=3 m=37 s=13
